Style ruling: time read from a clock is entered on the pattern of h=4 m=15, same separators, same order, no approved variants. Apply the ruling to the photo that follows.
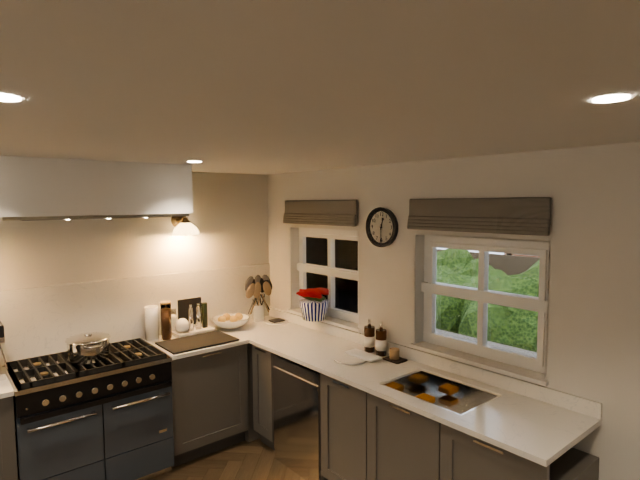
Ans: h=12 m=30
